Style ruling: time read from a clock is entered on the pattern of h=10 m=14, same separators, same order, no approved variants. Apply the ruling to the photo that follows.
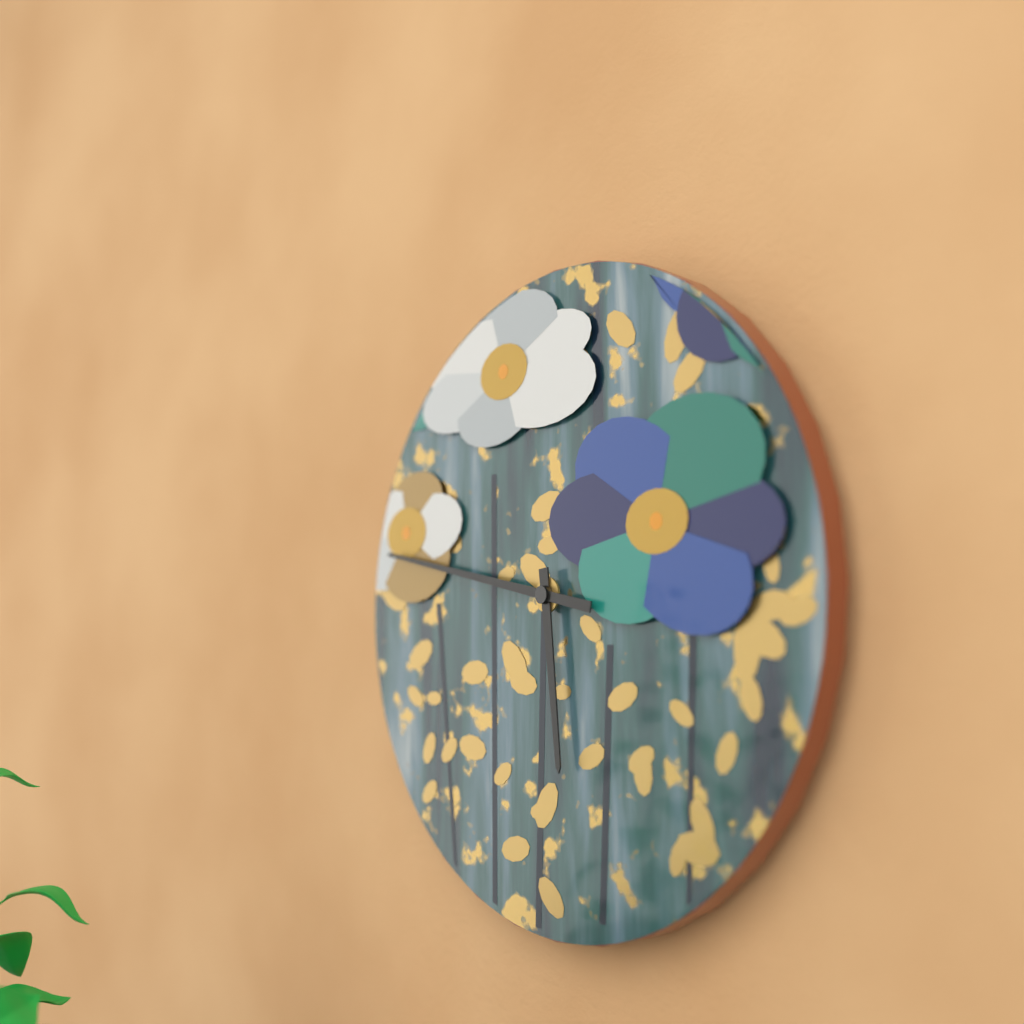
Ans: h=5 m=47
